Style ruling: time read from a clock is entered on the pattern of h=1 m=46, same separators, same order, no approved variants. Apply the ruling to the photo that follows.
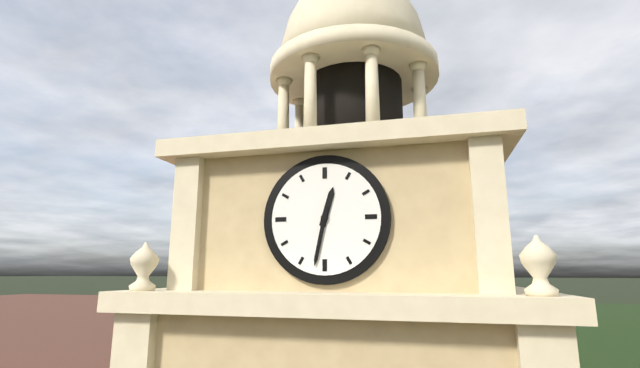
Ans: h=12 m=32
